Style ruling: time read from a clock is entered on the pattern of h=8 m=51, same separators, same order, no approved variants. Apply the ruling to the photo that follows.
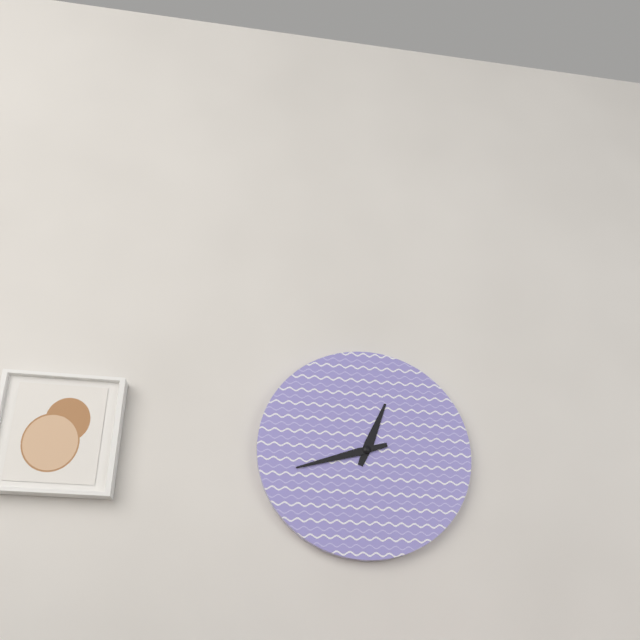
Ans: h=12 m=42
